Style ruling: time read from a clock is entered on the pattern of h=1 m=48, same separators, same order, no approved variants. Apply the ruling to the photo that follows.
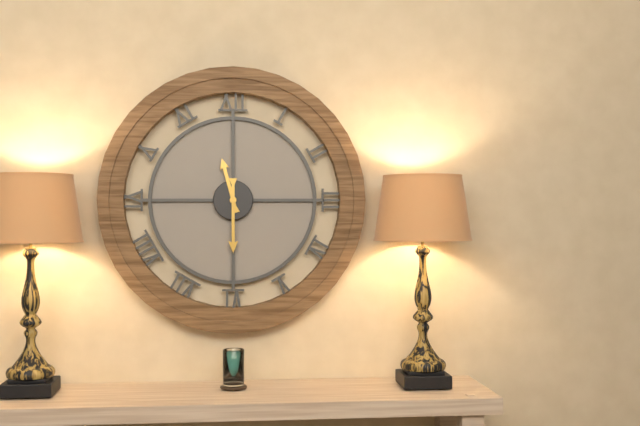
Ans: h=11 m=30
